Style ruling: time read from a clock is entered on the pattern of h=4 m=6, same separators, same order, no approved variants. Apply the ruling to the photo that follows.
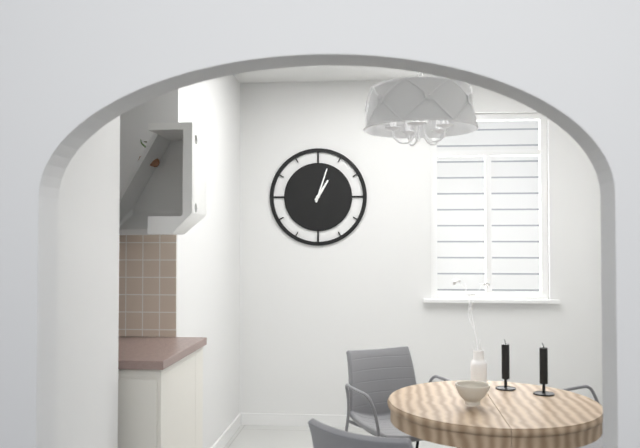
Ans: h=1 m=3
